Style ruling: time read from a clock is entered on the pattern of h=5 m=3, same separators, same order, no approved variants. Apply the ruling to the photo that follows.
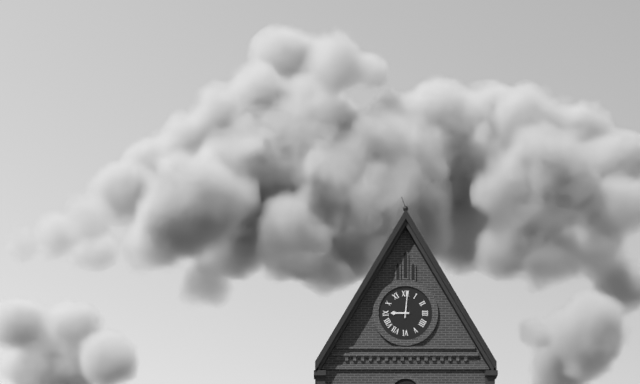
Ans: h=9 m=1
